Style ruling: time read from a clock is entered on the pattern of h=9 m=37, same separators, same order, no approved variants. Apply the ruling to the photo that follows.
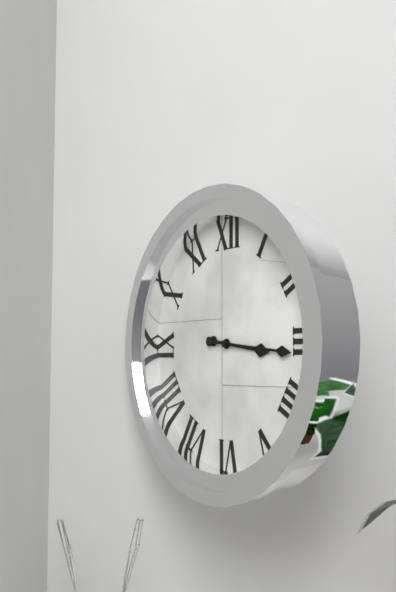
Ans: h=3 m=16
